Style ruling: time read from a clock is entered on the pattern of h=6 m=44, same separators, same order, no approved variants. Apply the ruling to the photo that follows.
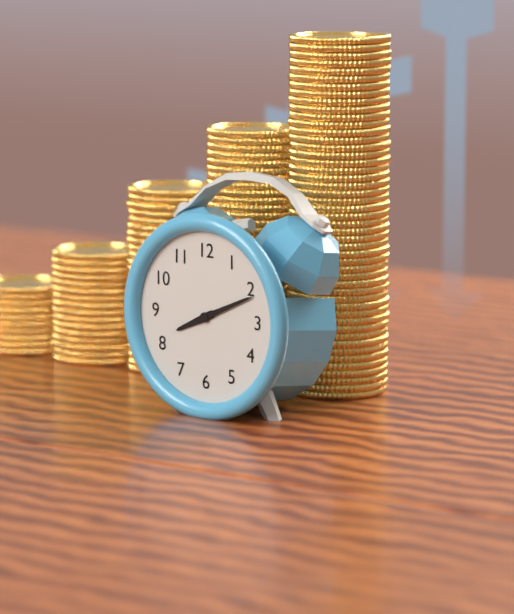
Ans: h=8 m=11
